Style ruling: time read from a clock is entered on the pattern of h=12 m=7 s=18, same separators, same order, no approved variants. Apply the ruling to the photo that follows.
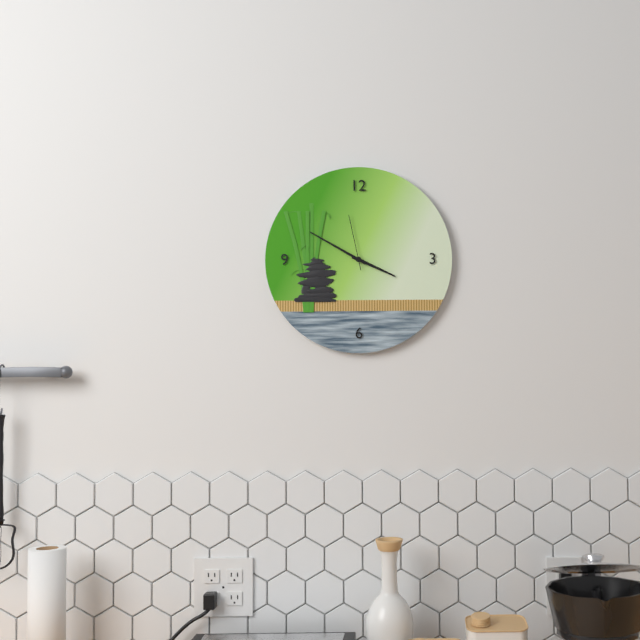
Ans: h=3 m=50 s=58
